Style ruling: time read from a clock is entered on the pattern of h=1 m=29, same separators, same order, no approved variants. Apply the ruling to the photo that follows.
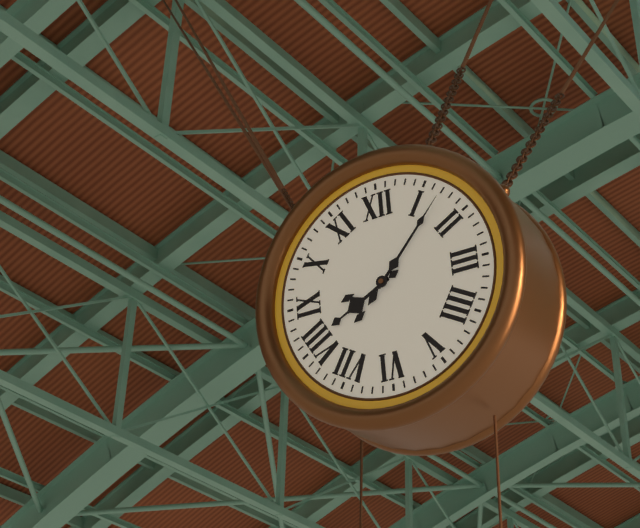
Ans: h=8 m=7
